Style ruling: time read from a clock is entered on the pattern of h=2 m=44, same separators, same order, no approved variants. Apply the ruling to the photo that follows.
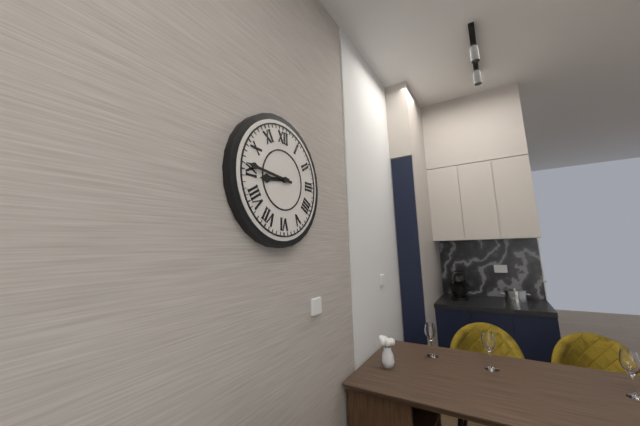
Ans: h=8 m=46
